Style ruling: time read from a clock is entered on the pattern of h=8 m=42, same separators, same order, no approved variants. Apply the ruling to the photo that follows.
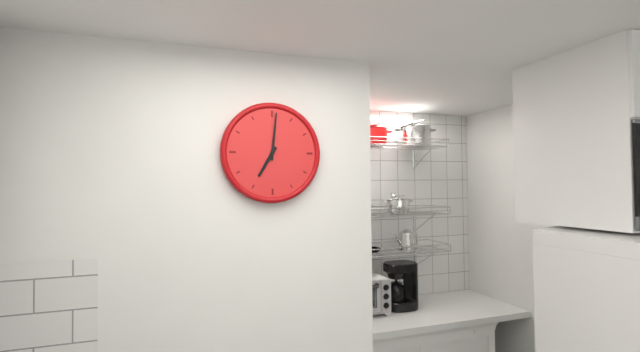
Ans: h=7 m=1
